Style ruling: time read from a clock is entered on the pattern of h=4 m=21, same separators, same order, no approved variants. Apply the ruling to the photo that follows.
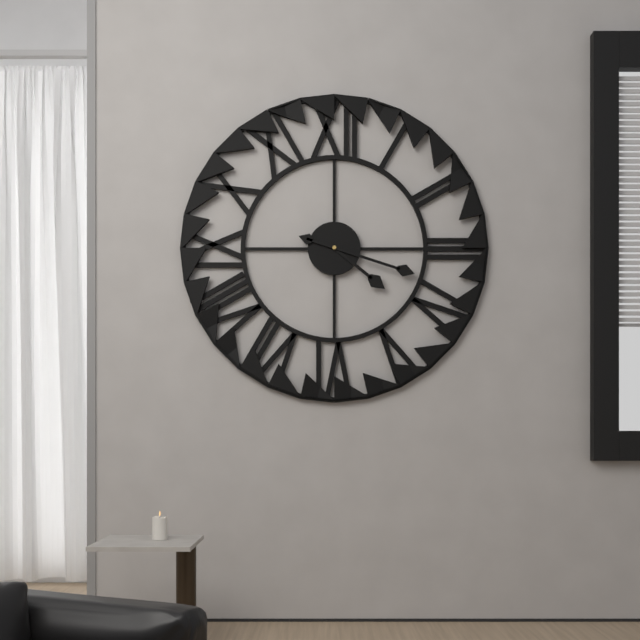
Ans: h=4 m=18
